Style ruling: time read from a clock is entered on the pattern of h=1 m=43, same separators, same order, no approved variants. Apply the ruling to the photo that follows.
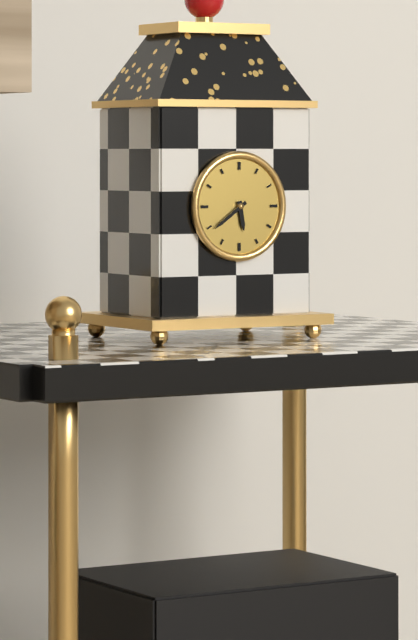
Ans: h=5 m=39
